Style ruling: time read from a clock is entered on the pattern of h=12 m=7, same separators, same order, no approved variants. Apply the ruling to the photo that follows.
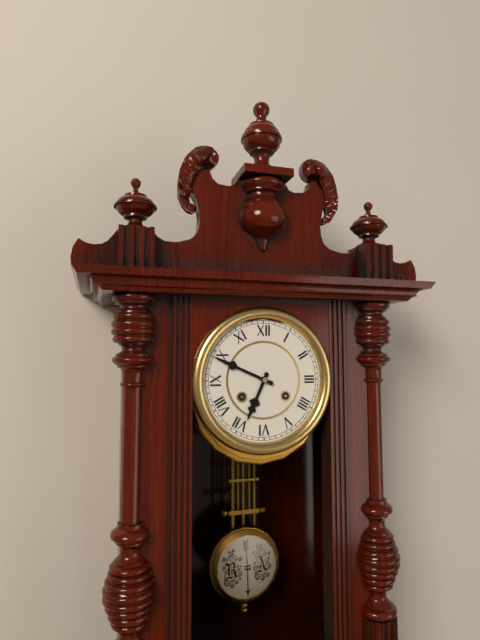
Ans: h=6 m=49
